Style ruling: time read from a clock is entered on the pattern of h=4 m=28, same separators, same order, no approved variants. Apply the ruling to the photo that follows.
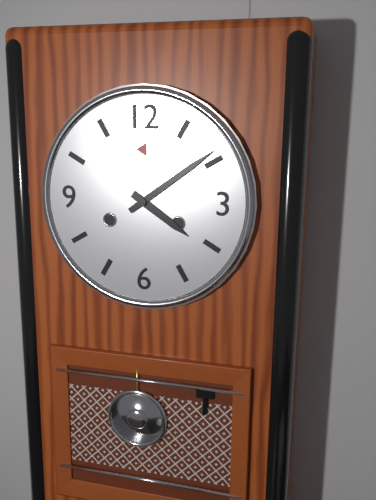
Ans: h=4 m=9
